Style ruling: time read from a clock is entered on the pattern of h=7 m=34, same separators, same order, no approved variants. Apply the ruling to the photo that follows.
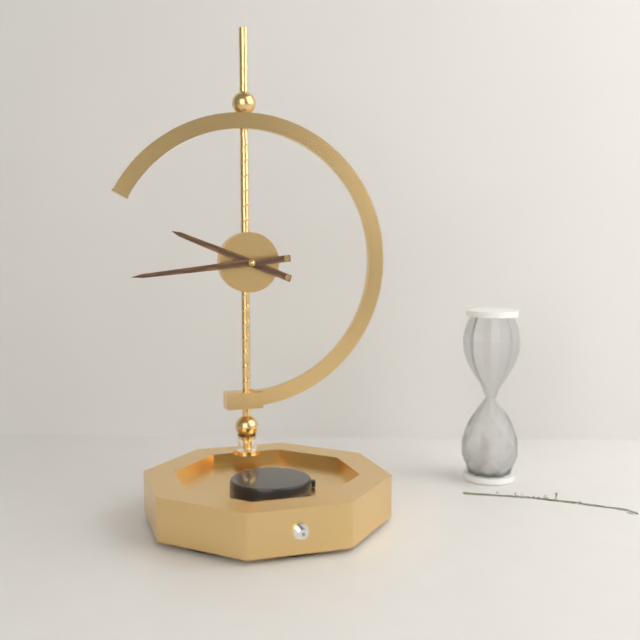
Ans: h=9 m=44
